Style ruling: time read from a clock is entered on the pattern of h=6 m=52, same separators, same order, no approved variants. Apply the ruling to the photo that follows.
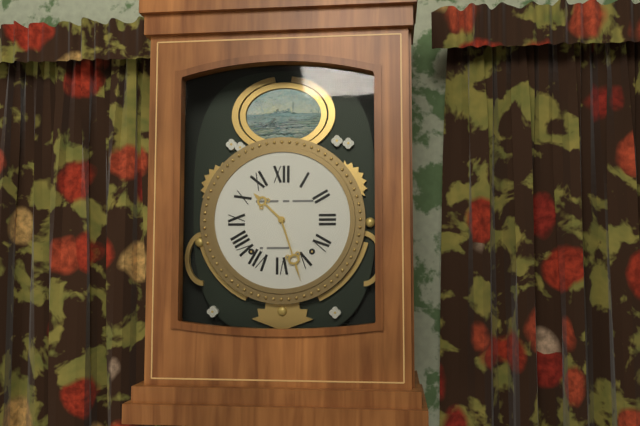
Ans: h=10 m=27
